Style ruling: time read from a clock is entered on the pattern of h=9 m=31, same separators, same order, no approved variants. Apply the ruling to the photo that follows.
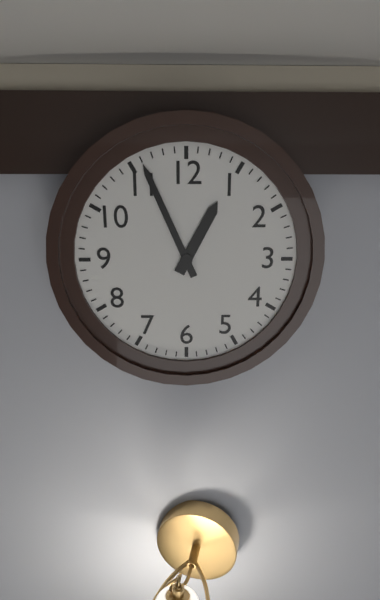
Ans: h=12 m=56
